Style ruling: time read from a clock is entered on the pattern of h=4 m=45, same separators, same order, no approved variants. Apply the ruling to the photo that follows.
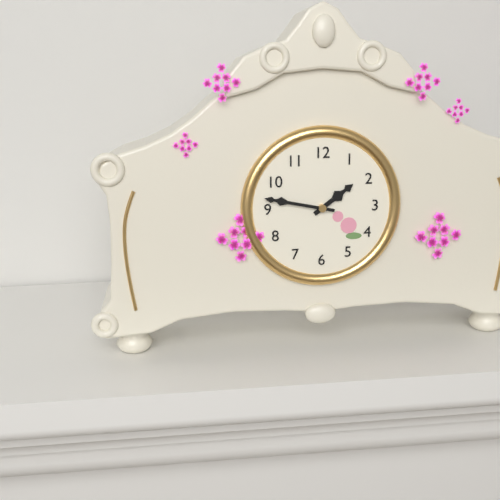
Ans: h=1 m=47
